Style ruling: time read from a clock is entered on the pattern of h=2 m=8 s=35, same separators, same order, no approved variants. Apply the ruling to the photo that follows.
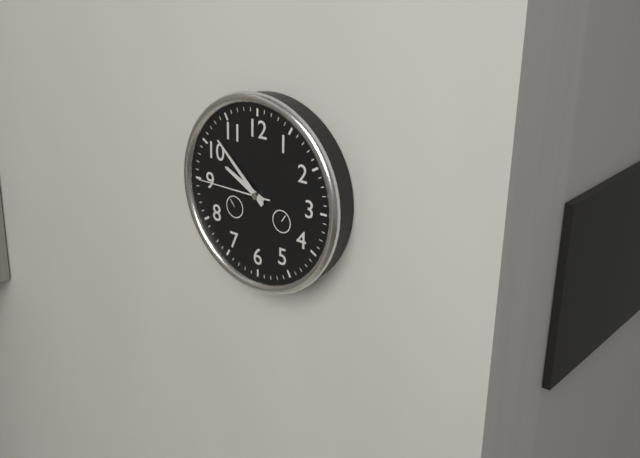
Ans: h=9 m=52 s=45
